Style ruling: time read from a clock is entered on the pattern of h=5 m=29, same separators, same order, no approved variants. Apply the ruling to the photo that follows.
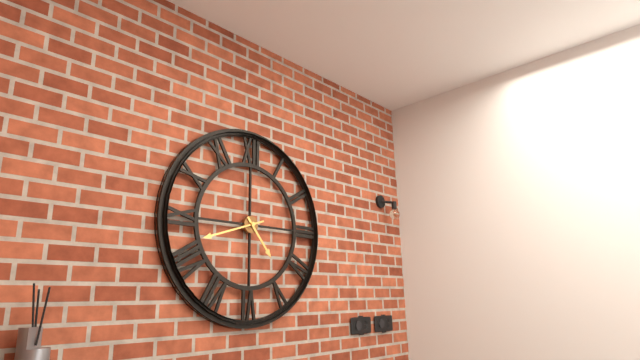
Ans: h=4 m=42
